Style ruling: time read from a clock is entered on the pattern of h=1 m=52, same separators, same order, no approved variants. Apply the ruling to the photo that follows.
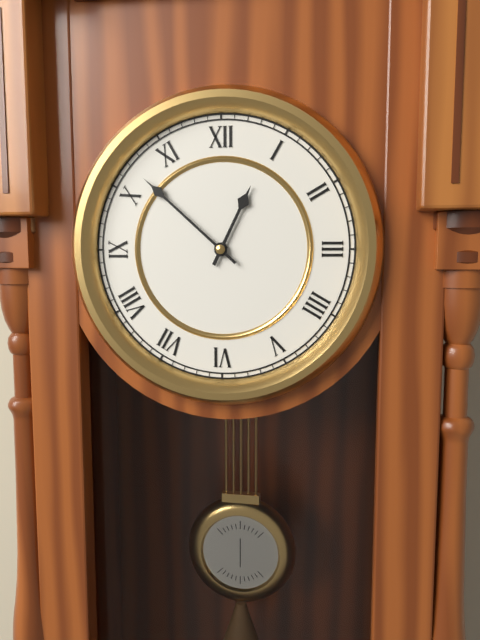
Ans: h=12 m=52
